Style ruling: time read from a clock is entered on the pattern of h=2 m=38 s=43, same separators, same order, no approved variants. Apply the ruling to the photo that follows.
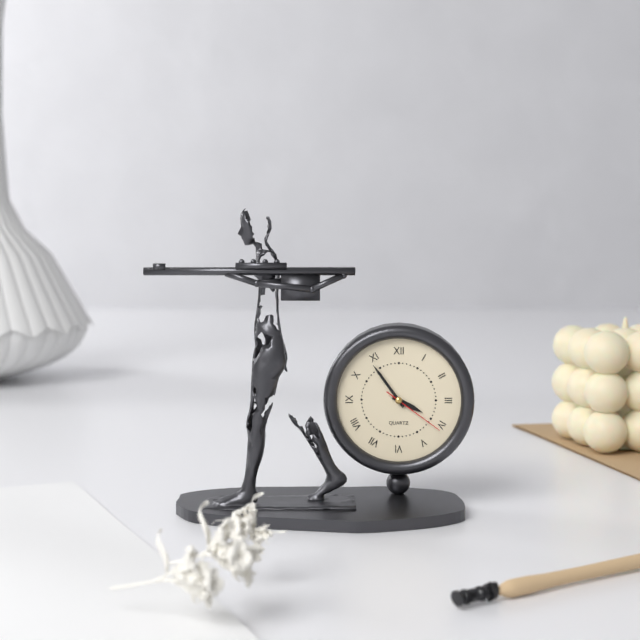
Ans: h=3 m=54 s=21
